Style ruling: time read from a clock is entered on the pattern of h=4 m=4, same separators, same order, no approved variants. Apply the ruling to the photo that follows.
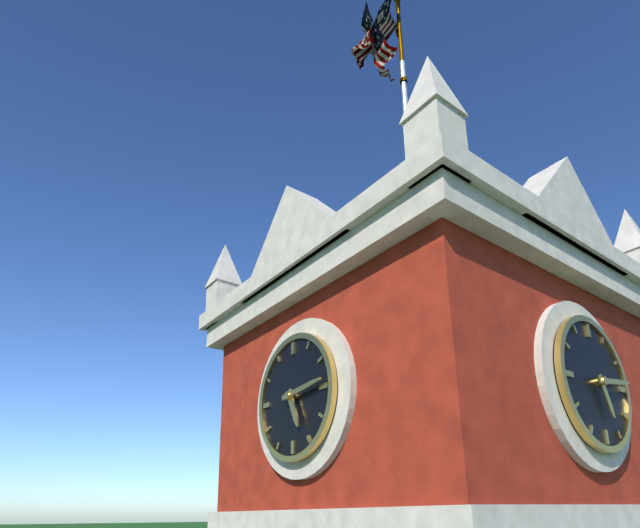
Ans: h=5 m=14
